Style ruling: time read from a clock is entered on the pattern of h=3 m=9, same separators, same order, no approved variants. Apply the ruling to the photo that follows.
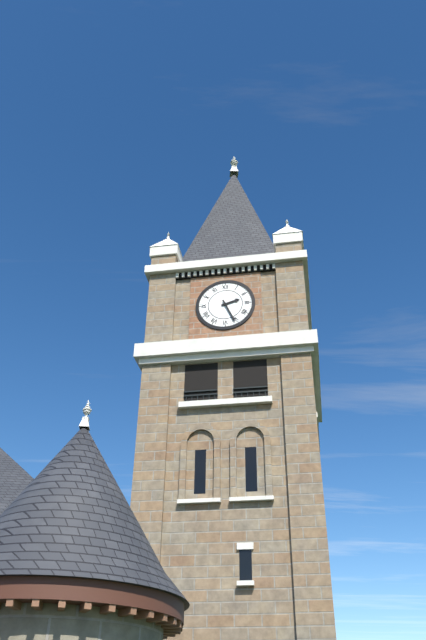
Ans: h=2 m=26
